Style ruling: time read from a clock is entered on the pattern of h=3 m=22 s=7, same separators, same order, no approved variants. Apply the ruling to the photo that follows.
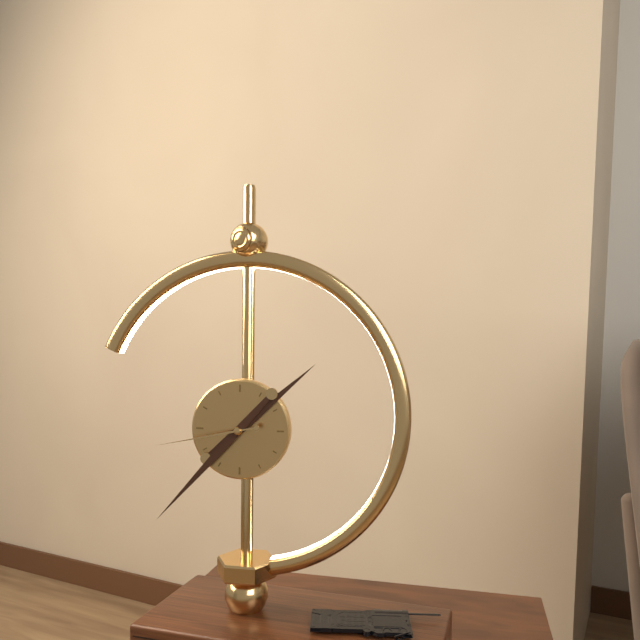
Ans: h=1 m=37 s=43
